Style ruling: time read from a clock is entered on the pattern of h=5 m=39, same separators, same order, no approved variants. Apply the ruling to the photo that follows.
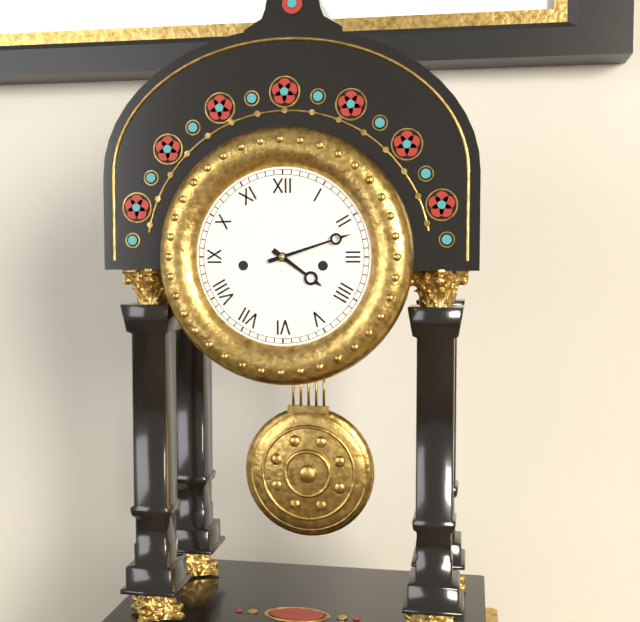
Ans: h=4 m=12
